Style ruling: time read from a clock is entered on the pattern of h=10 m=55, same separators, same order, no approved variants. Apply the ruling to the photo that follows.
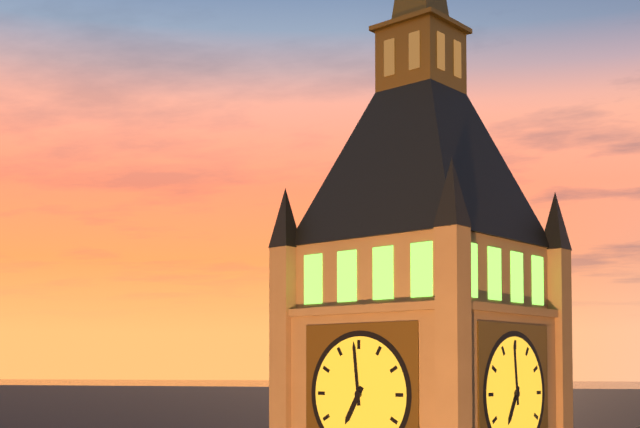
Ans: h=6 m=59
